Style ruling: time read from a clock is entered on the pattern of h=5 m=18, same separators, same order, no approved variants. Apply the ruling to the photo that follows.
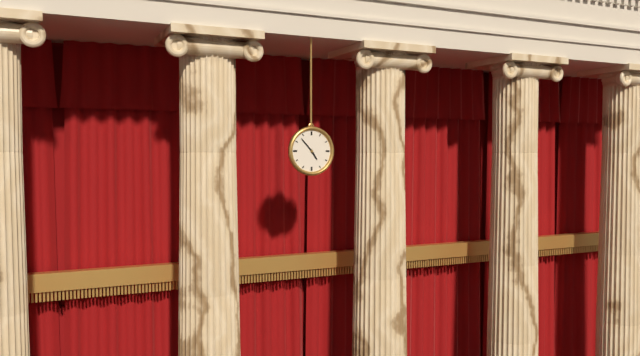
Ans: h=4 m=53
